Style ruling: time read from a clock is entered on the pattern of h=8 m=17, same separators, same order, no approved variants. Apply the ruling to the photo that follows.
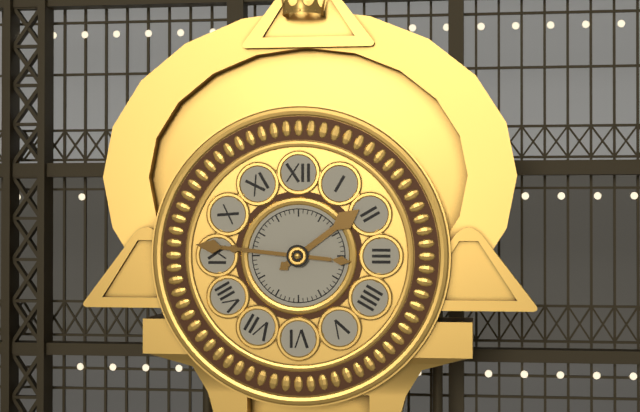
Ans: h=1 m=46
